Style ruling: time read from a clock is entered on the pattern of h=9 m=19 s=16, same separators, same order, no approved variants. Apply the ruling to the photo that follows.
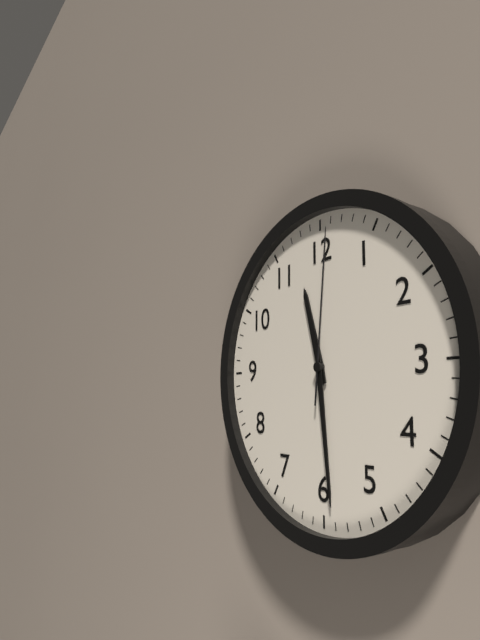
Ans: h=11 m=29 s=1
